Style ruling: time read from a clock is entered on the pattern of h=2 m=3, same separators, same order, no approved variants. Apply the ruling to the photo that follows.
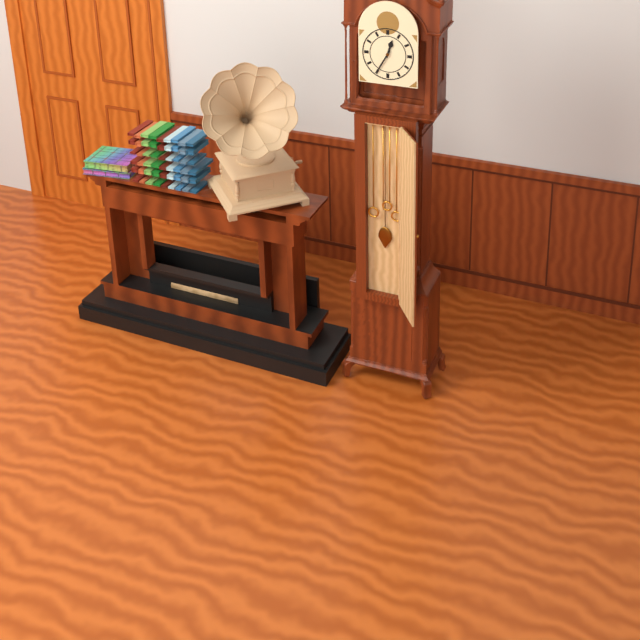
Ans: h=12 m=35
